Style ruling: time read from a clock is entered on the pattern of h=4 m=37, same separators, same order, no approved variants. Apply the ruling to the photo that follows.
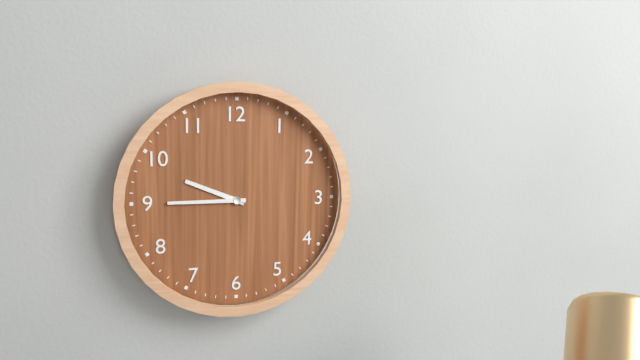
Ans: h=9 m=45
